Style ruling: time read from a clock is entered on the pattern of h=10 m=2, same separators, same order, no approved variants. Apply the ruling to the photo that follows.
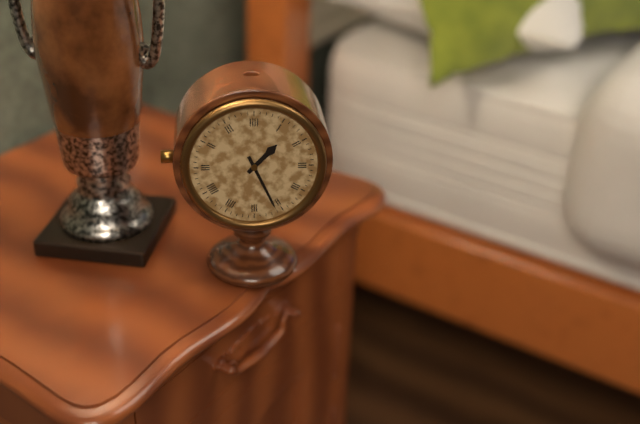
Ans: h=1 m=26
